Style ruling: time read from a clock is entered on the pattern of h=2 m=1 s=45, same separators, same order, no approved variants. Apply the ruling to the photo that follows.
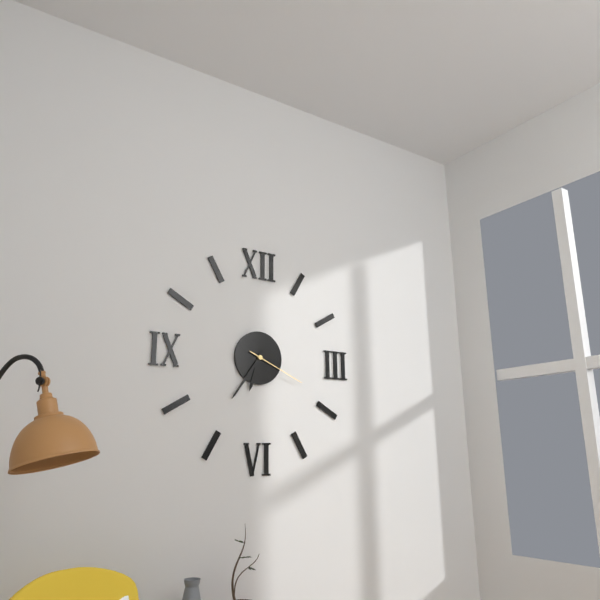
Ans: h=6 m=36 s=19
